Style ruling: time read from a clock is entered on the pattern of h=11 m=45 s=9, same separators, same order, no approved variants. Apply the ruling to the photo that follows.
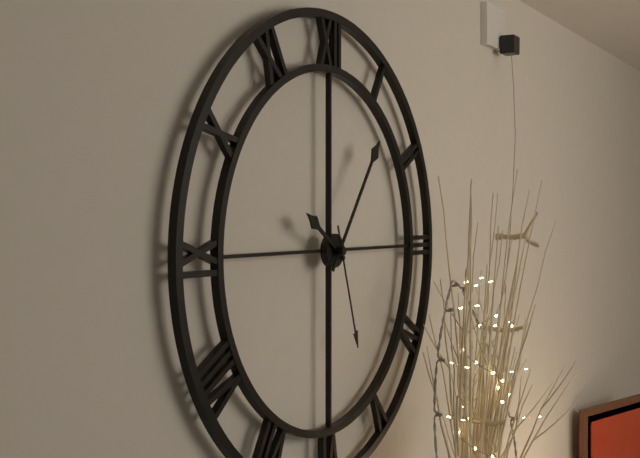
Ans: h=10 m=6 s=27
